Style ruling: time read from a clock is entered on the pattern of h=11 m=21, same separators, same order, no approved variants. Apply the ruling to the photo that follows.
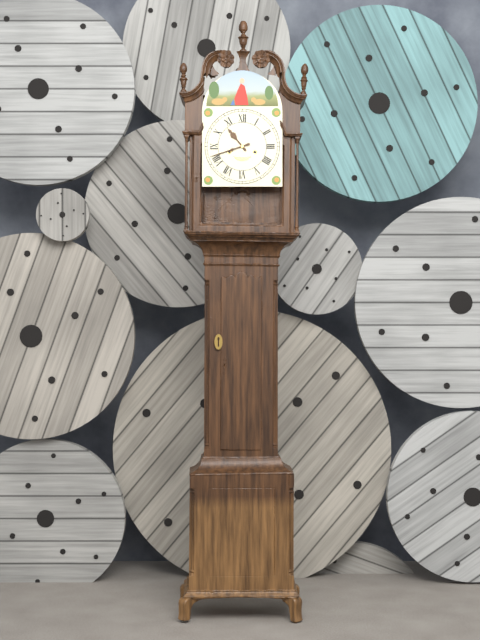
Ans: h=10 m=42
